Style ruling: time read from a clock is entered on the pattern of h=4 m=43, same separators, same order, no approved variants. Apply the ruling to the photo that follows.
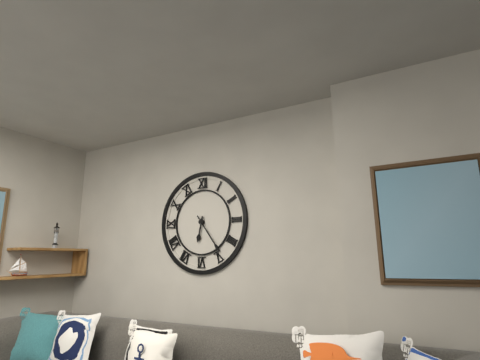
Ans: h=6 m=24
